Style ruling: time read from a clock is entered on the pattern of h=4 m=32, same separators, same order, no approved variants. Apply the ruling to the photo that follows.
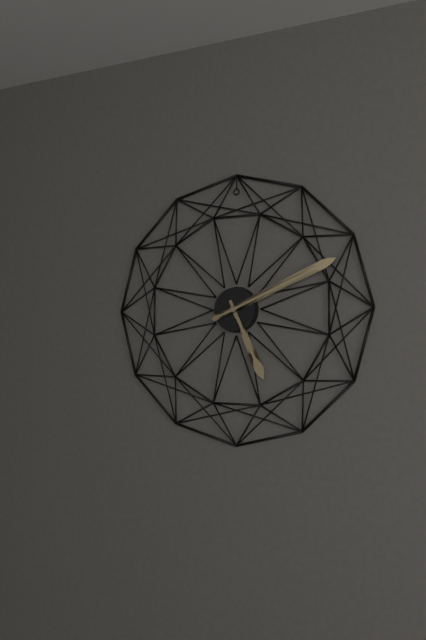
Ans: h=5 m=11
